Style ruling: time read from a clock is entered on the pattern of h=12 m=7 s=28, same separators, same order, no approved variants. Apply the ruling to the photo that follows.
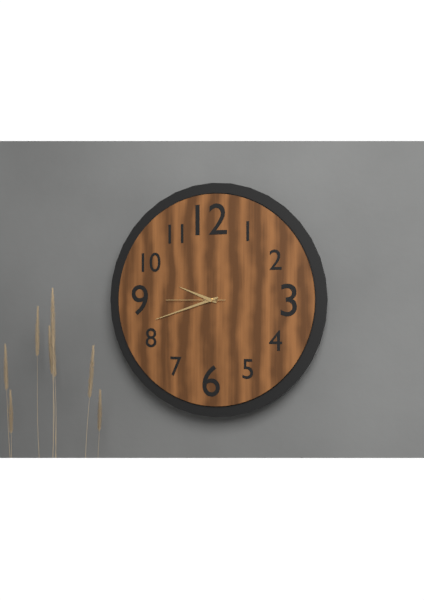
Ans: h=9 m=42 s=45
